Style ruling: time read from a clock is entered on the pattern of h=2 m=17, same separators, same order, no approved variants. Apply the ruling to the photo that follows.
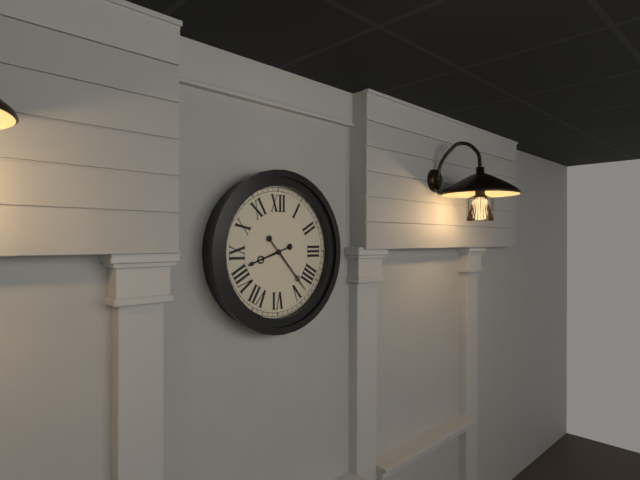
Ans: h=8 m=23
